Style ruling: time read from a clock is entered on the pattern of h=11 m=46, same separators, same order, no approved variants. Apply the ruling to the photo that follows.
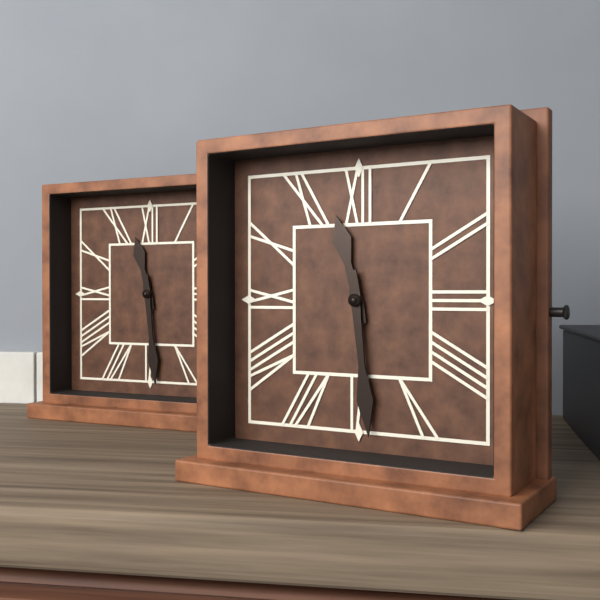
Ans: h=11 m=29
